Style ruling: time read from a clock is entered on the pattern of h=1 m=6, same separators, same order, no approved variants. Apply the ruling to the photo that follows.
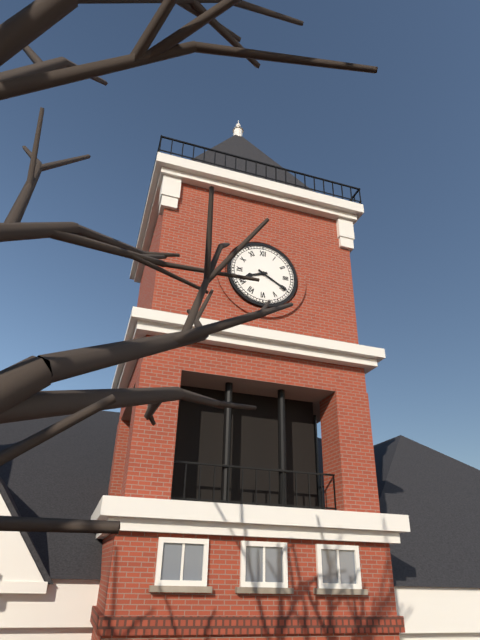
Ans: h=8 m=20
